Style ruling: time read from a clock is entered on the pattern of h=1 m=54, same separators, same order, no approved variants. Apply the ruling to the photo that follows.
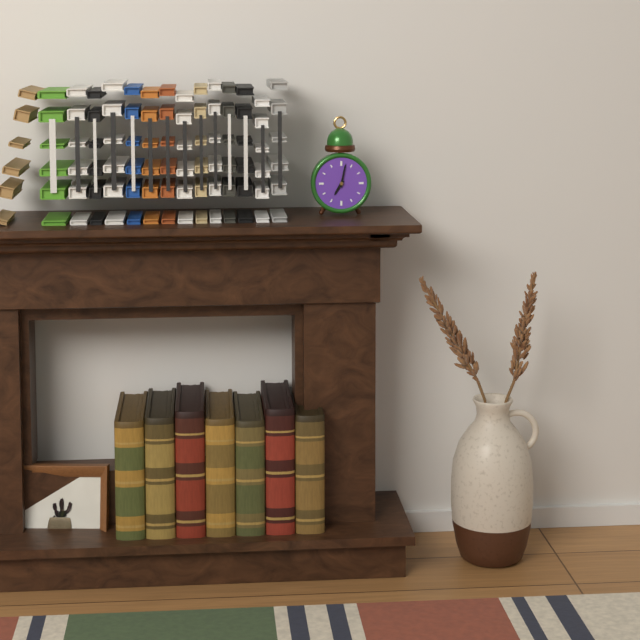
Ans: h=7 m=2
